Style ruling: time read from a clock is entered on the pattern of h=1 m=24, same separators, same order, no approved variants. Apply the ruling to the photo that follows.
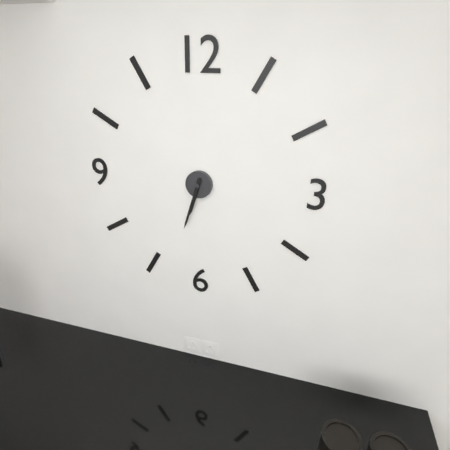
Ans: h=6 m=33
